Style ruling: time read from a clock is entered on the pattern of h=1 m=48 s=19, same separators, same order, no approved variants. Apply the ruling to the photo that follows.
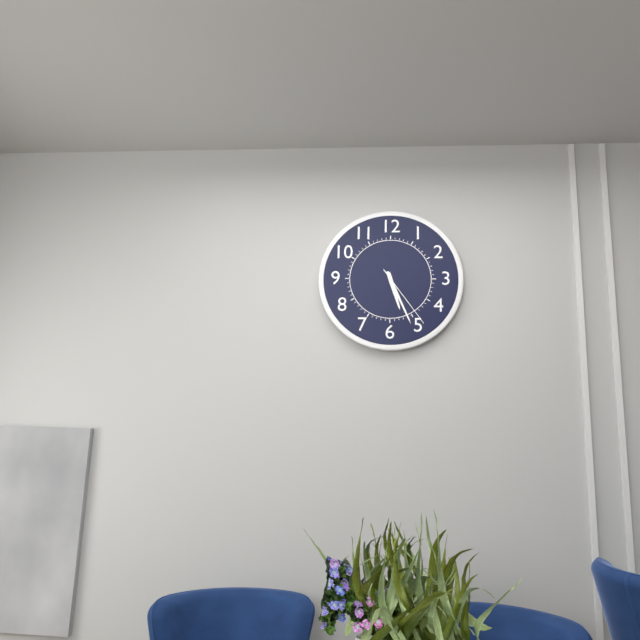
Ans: h=5 m=26 s=24
